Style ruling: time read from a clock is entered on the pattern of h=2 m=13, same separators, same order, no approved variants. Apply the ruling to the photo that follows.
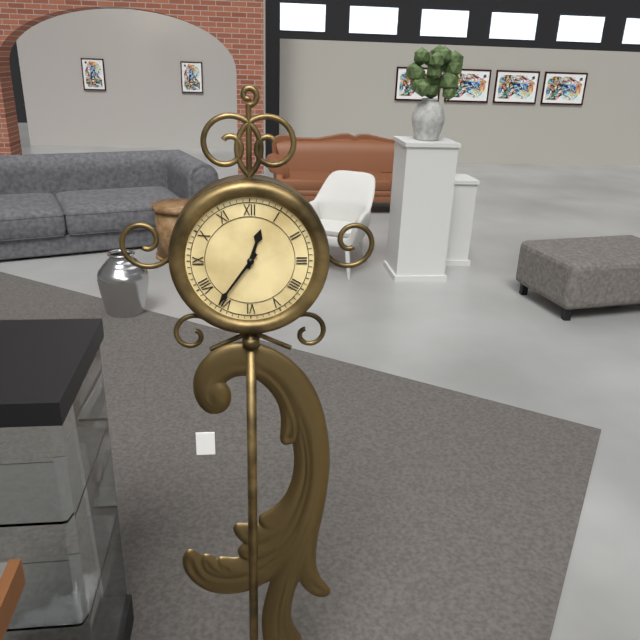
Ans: h=12 m=36
